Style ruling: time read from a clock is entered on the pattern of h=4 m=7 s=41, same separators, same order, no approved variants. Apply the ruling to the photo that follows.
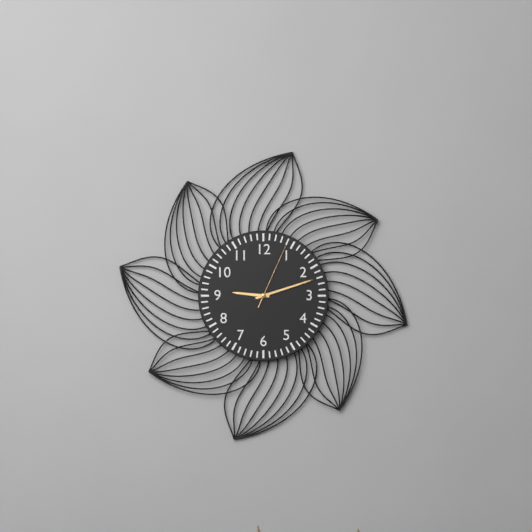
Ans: h=9 m=12 s=4
